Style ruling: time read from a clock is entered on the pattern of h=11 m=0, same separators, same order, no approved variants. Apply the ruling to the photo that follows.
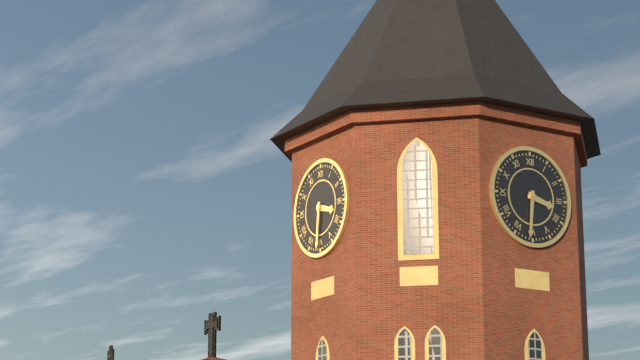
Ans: h=3 m=31
